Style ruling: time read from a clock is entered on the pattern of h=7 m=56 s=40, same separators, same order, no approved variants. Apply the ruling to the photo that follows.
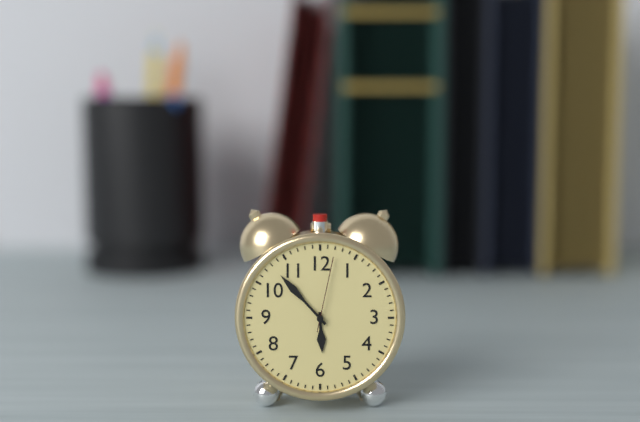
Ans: h=5 m=53 s=2
